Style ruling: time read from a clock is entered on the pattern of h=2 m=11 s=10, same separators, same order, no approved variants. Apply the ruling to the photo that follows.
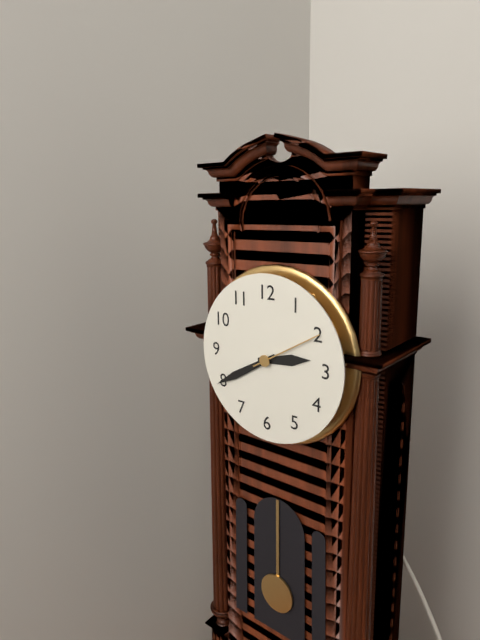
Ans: h=2 m=40 s=10
